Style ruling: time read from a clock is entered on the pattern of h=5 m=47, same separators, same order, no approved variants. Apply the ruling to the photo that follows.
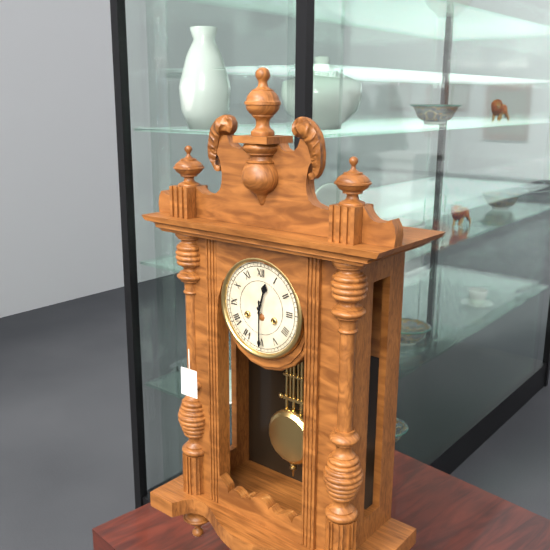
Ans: h=12 m=30
